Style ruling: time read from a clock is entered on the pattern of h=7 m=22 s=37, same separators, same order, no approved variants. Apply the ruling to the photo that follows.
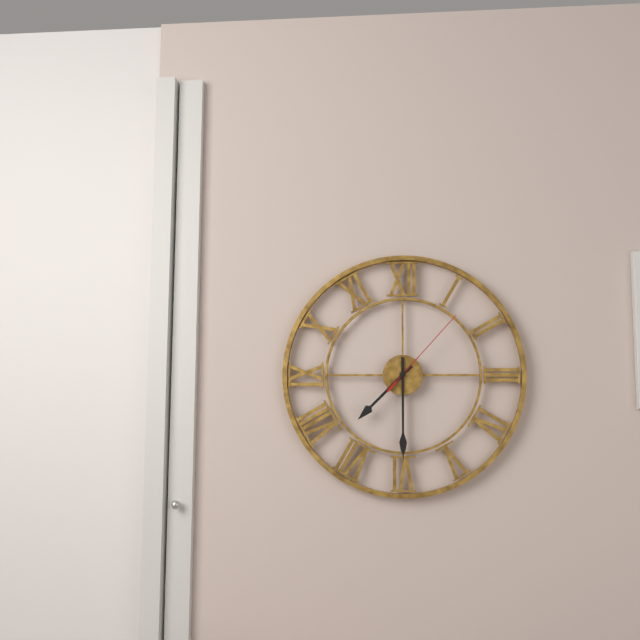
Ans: h=7 m=30 s=7
